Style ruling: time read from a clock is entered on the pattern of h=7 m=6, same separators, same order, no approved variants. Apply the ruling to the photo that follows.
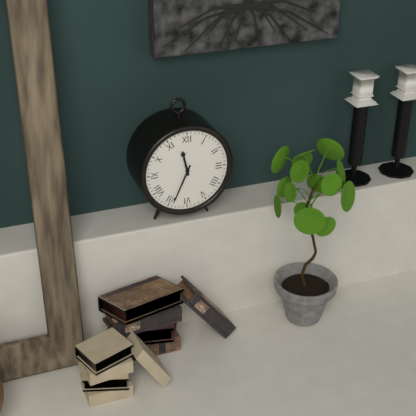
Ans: h=11 m=34
